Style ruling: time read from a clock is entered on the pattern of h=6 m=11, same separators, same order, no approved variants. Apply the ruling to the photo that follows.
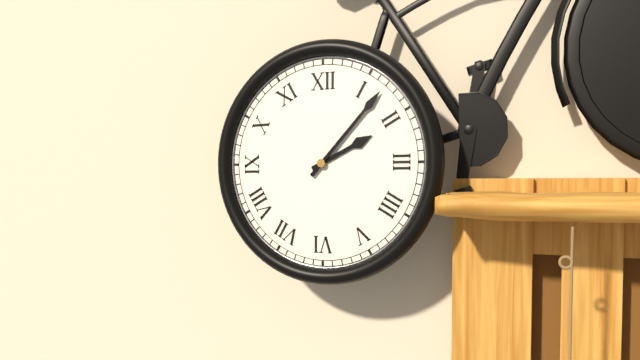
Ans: h=2 m=7
